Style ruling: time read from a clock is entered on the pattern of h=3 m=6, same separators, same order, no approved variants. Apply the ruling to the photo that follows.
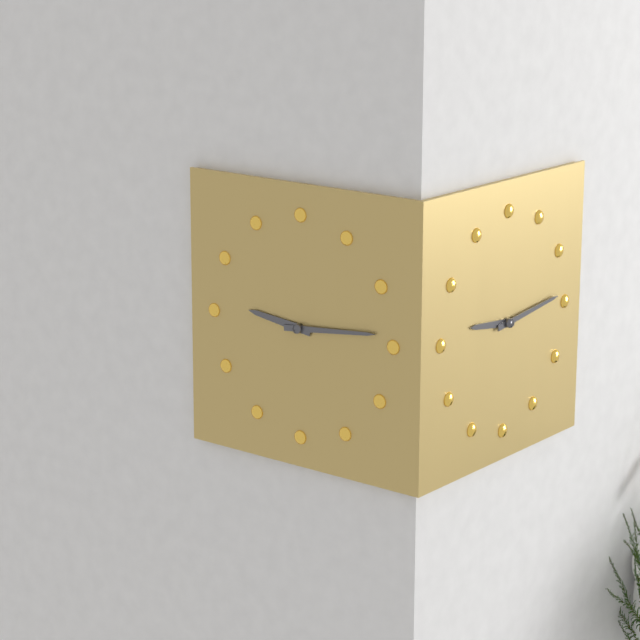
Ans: h=9 m=14
